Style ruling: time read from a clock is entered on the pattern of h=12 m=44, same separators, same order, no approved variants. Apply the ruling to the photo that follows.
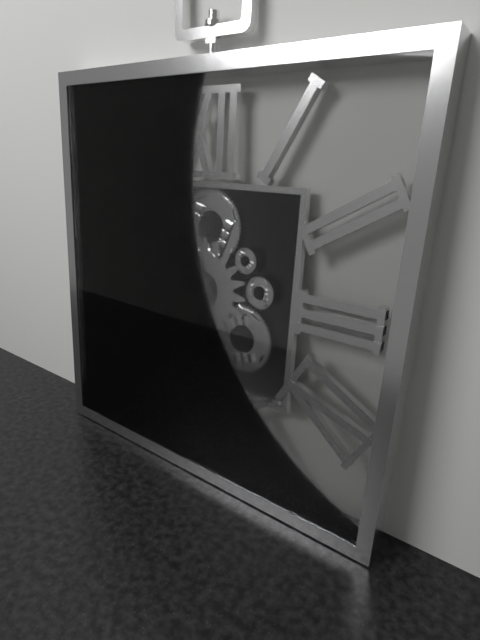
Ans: h=11 m=28
